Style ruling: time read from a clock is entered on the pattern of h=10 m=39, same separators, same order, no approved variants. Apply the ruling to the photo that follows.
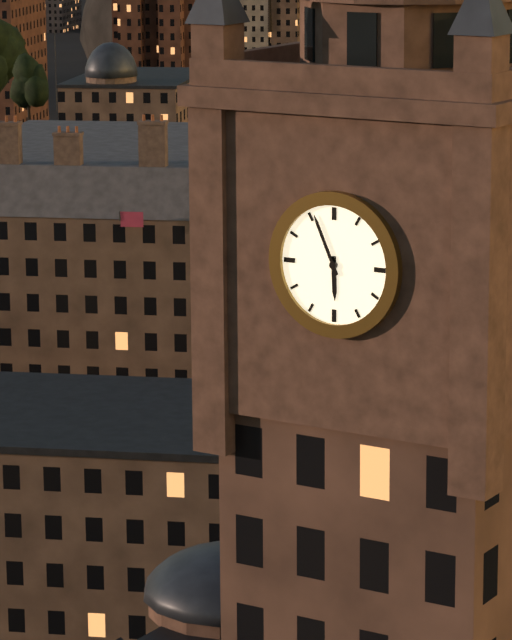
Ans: h=5 m=56
